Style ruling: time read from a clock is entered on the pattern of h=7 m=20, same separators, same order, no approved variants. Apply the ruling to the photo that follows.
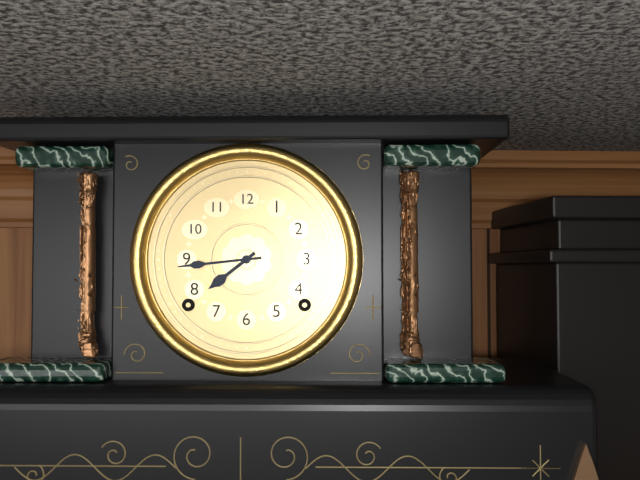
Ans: h=7 m=44
